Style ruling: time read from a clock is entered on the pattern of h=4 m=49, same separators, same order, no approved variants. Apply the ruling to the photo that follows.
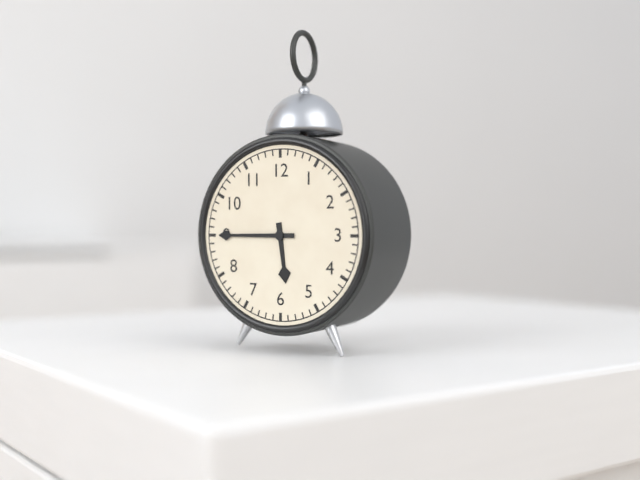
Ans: h=5 m=45
